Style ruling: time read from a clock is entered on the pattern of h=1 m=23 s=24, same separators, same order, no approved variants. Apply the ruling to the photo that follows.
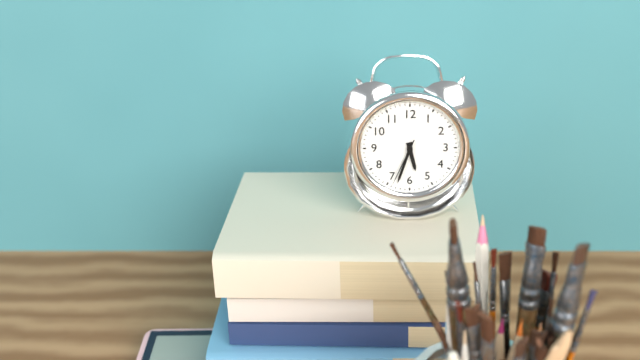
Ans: h=5 m=33 s=34
